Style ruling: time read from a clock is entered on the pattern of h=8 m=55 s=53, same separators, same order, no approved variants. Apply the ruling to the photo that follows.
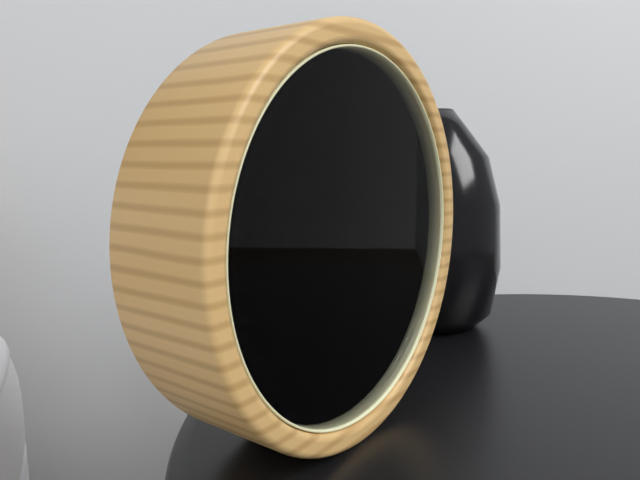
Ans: h=11 m=52 s=6
